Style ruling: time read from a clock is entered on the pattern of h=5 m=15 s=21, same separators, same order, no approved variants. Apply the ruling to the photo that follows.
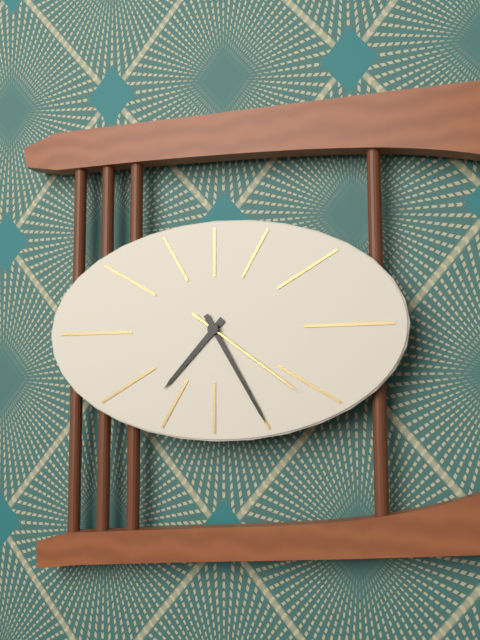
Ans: h=7 m=25 s=21
